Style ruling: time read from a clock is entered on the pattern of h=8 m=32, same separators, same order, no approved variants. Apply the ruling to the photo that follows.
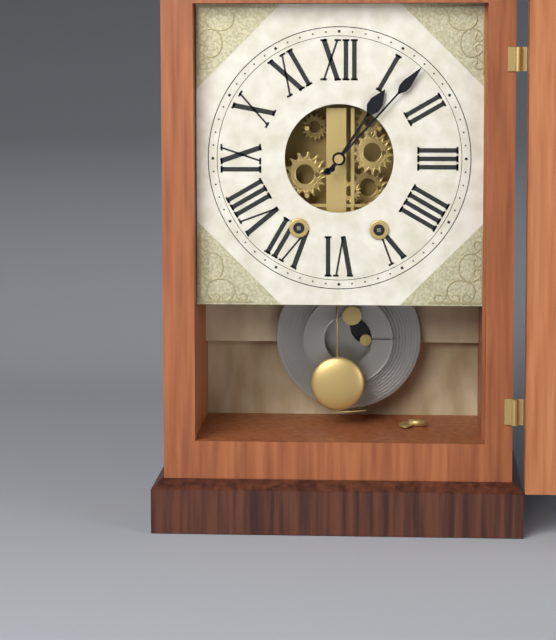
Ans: h=1 m=7
